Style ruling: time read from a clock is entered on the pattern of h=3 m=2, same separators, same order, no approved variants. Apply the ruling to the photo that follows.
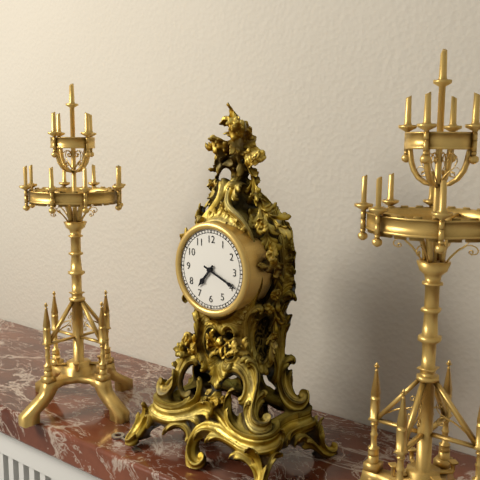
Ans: h=7 m=19
